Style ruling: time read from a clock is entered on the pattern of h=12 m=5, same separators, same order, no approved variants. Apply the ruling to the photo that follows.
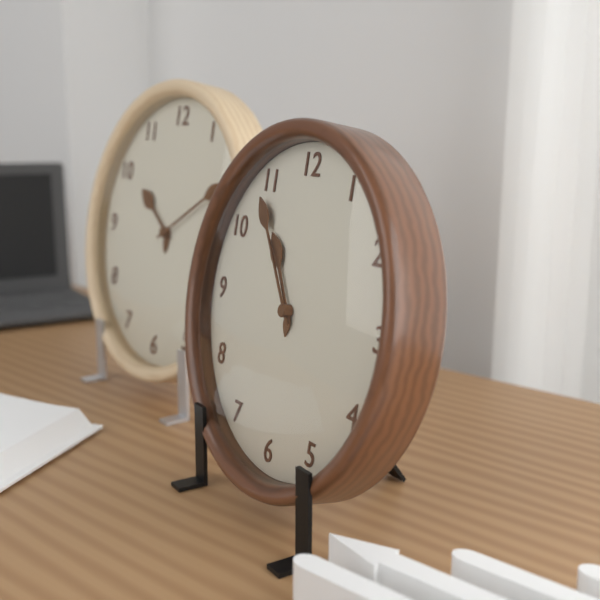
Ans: h=10 m=54
